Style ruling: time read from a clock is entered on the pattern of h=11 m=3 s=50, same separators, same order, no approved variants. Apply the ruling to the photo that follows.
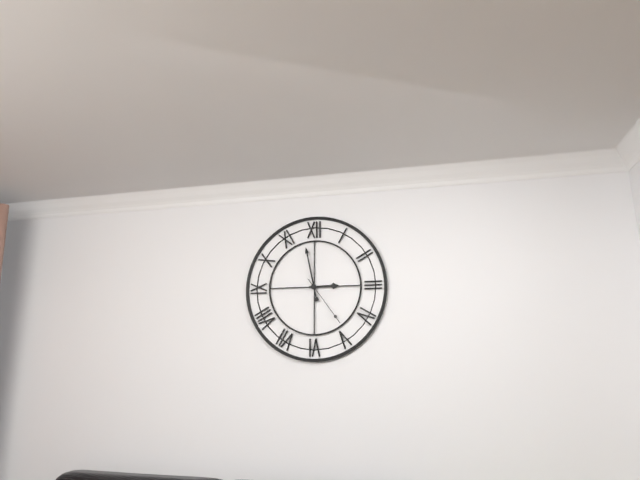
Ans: h=2 m=58 s=24
